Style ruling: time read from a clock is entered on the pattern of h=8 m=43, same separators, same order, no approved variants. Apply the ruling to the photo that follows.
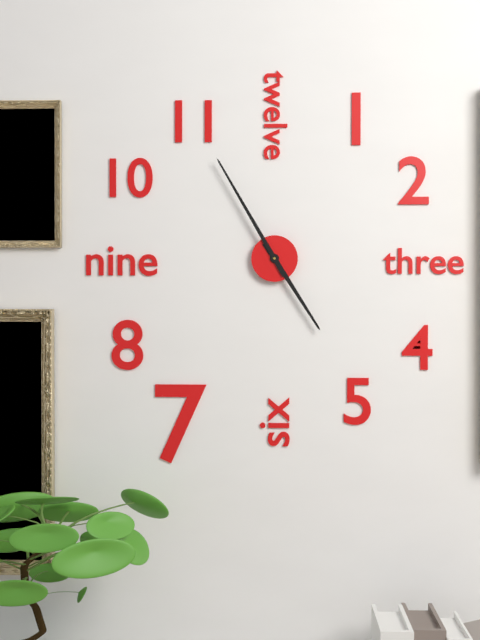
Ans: h=4 m=55
